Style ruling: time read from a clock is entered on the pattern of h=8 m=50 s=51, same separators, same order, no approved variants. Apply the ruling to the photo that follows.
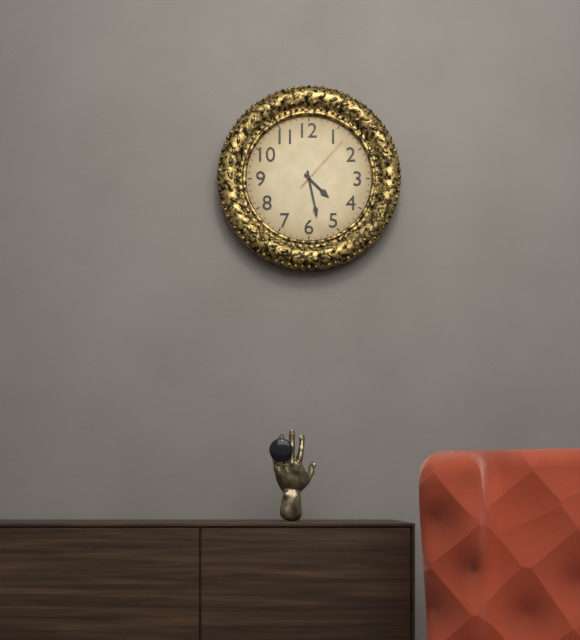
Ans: h=4 m=28 s=7
